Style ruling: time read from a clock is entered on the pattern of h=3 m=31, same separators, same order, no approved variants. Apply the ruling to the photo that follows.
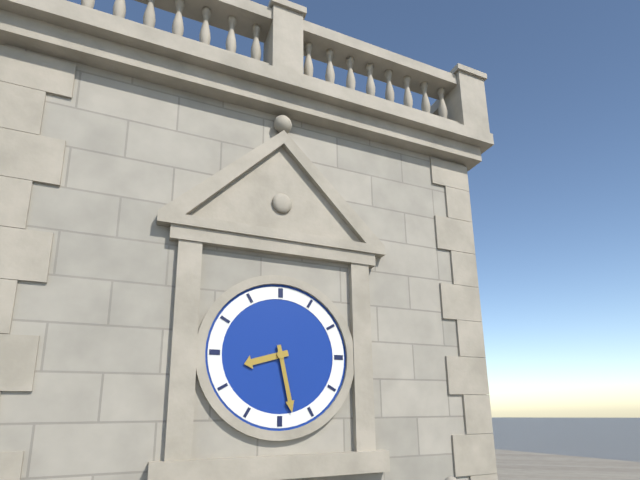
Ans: h=8 m=28
